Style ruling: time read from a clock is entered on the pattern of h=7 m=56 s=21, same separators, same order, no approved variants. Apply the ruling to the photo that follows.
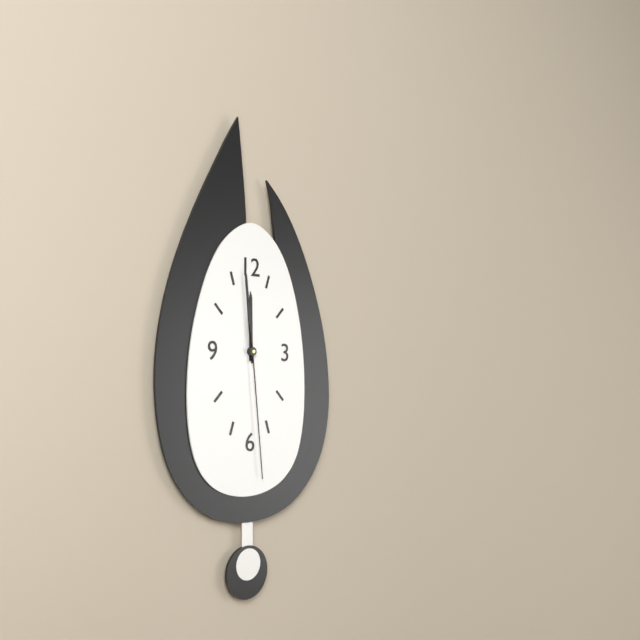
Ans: h=11 m=59 s=29
